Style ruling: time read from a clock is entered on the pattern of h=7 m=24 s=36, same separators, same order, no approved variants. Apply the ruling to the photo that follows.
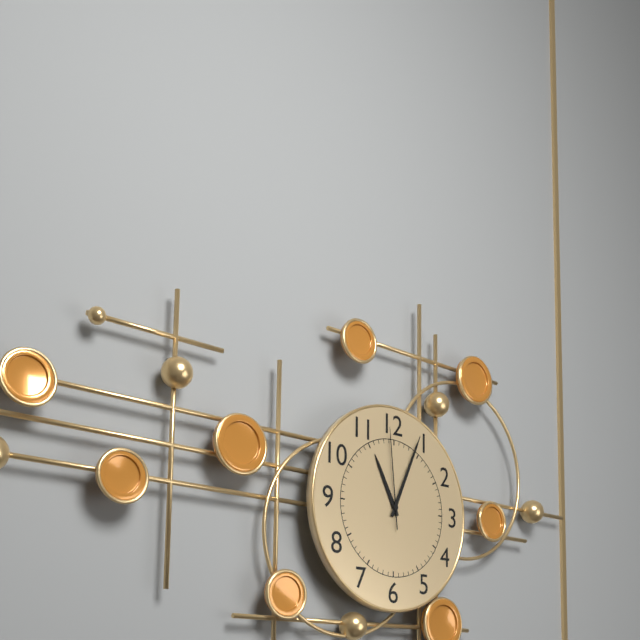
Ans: h=11 m=4 s=59
